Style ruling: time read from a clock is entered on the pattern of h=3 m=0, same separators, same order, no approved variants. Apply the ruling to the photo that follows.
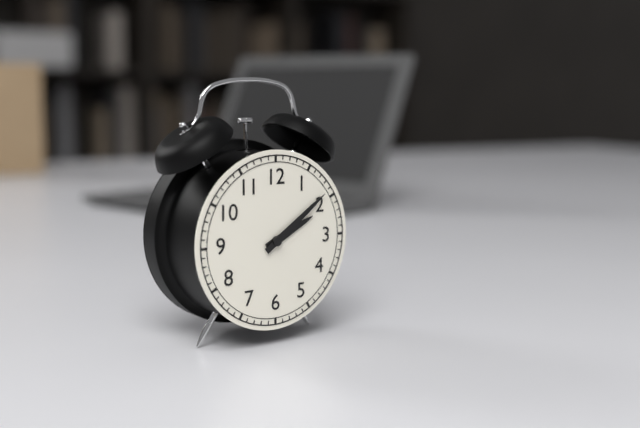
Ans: h=2 m=9
